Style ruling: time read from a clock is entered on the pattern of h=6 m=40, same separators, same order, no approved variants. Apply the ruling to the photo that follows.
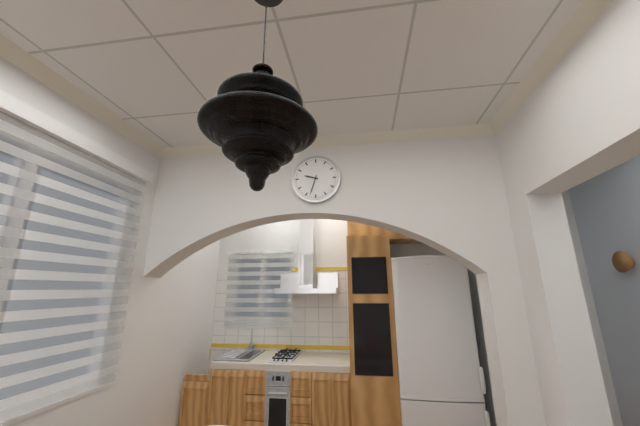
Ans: h=9 m=33
